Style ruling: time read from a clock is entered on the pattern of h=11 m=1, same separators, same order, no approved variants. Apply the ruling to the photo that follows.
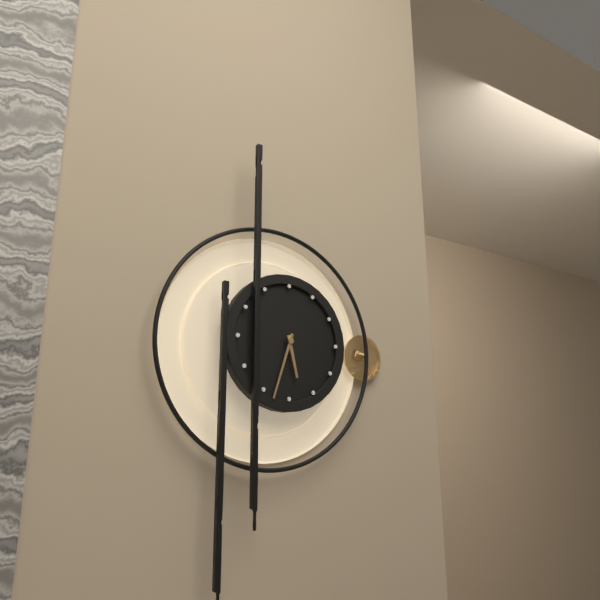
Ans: h=5 m=33
